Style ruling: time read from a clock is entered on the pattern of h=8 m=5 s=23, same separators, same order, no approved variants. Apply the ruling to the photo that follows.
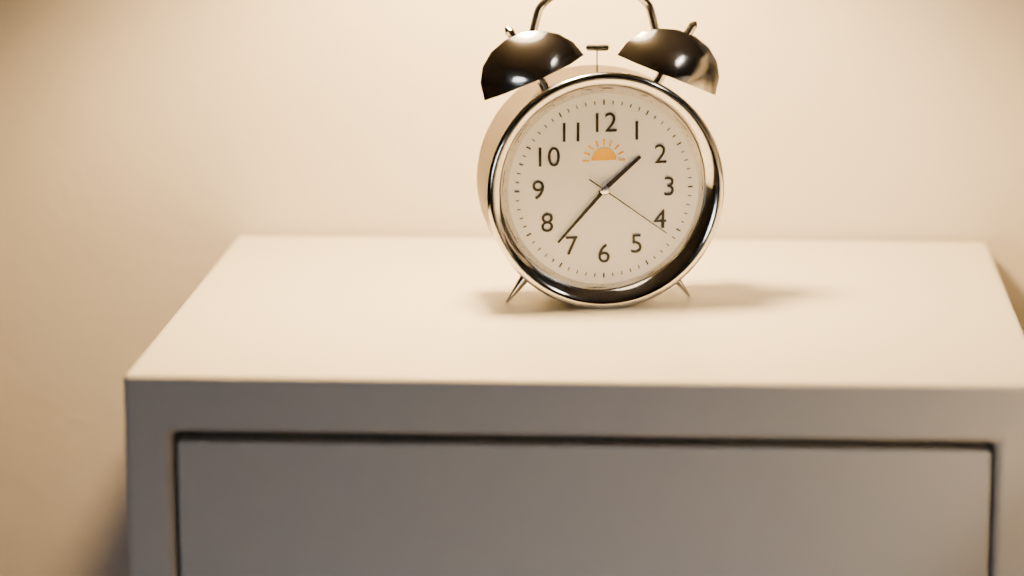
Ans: h=1 m=37 s=21
